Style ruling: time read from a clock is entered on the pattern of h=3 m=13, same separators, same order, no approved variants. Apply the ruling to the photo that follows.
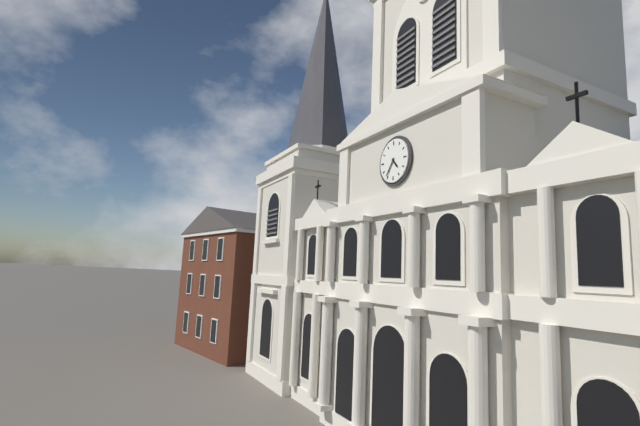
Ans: h=4 m=36
